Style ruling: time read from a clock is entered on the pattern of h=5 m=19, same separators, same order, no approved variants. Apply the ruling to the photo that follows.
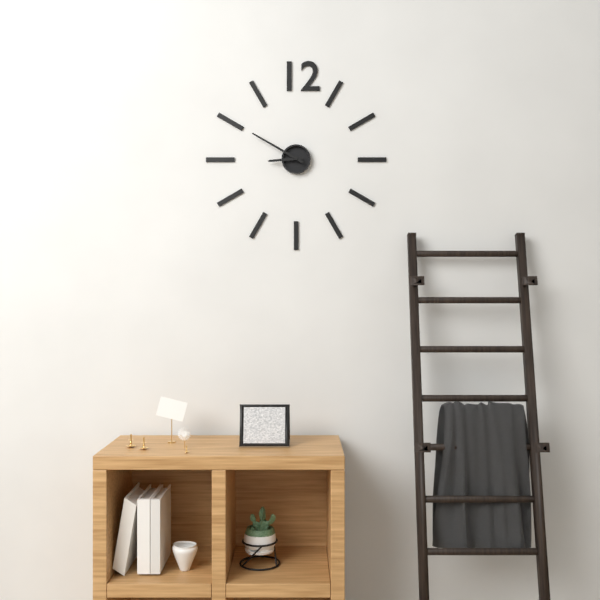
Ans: h=8 m=50
